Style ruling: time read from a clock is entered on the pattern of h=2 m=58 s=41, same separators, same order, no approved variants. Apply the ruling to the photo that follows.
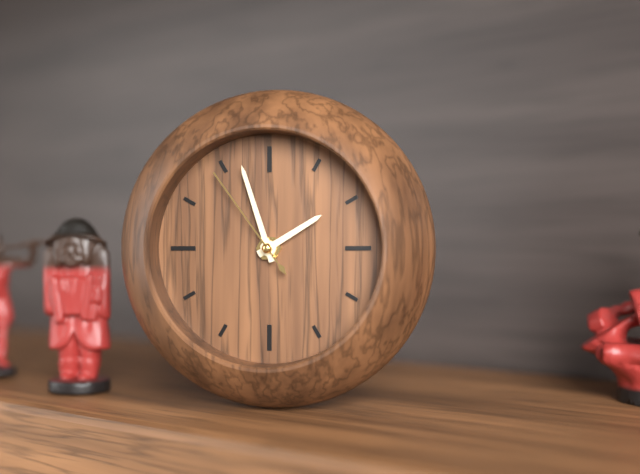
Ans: h=1 m=57 s=54
